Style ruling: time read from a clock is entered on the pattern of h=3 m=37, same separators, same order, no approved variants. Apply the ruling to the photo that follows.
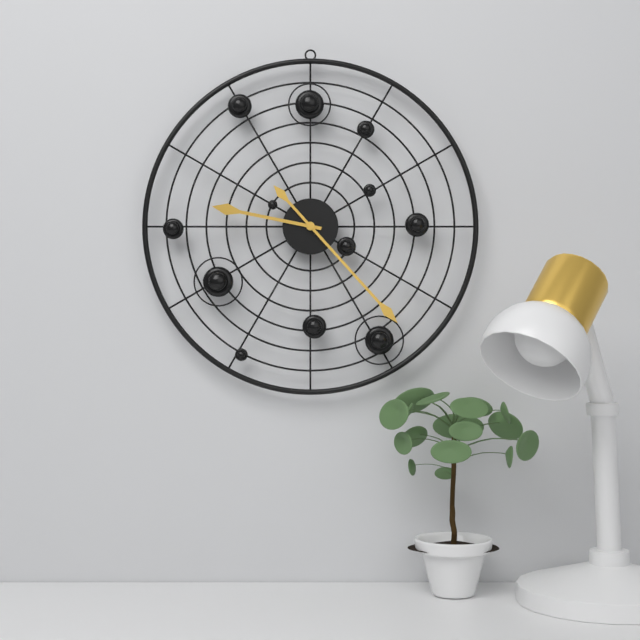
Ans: h=9 m=23
